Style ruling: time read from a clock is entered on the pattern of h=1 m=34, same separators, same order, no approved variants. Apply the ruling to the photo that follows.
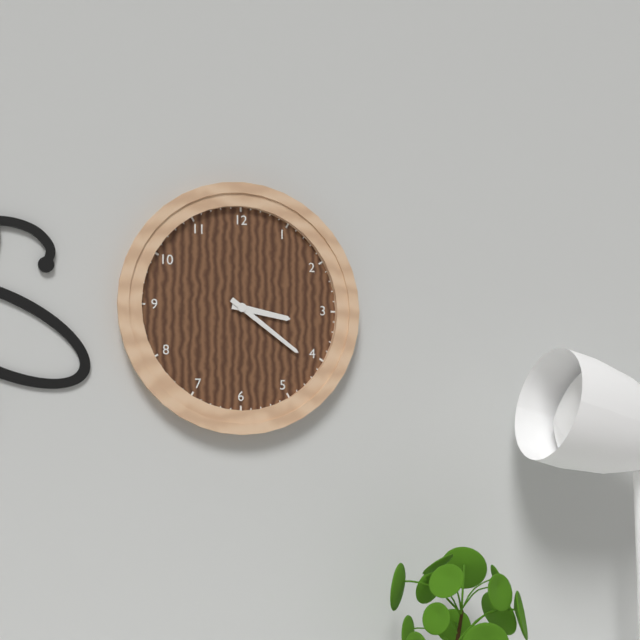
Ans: h=3 m=21
